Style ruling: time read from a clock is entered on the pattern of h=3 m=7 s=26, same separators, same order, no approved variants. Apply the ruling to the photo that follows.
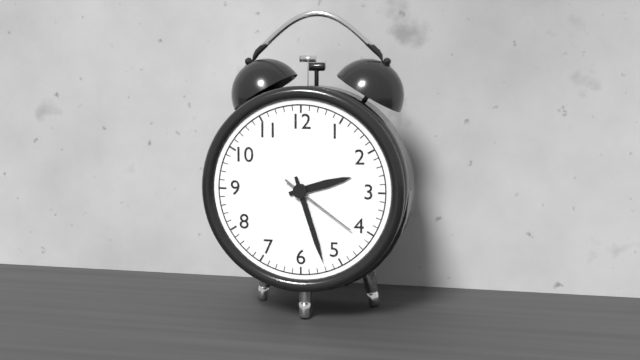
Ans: h=2 m=27 s=21
